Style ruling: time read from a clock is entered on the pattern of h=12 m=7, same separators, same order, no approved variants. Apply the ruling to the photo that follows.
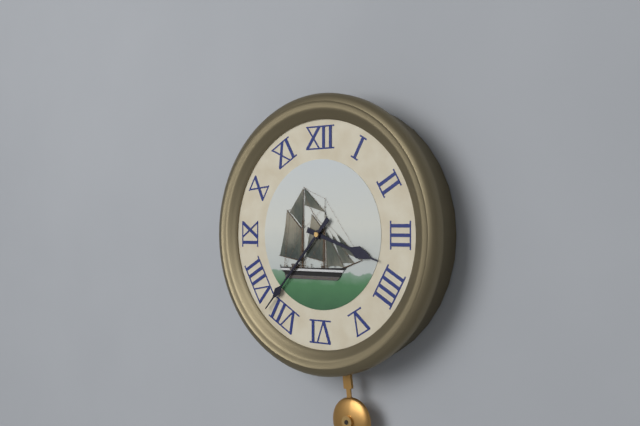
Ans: h=3 m=37
